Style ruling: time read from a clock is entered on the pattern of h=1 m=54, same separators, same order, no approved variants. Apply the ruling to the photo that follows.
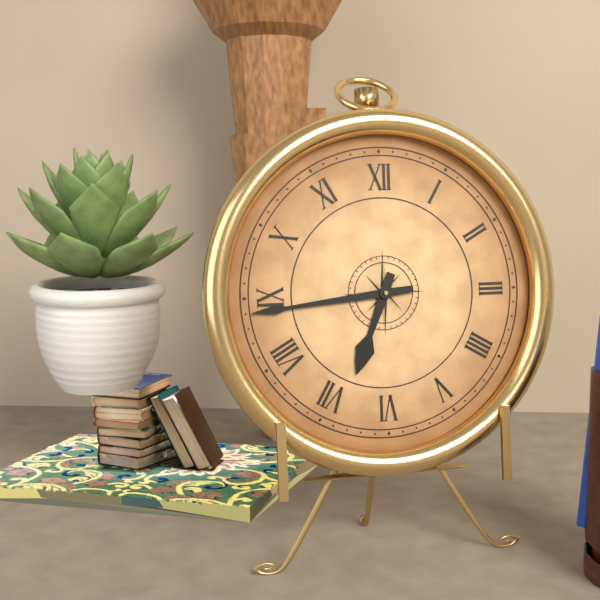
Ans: h=6 m=44
